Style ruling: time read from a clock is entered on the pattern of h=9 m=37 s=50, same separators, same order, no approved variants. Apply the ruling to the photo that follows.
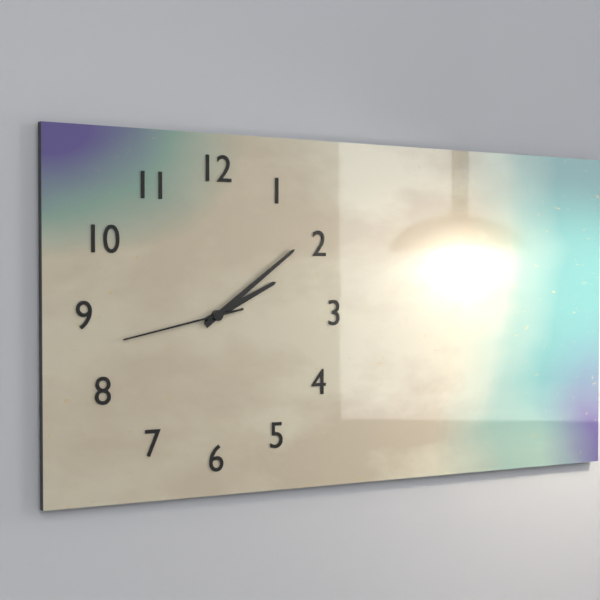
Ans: h=2 m=9 s=43
